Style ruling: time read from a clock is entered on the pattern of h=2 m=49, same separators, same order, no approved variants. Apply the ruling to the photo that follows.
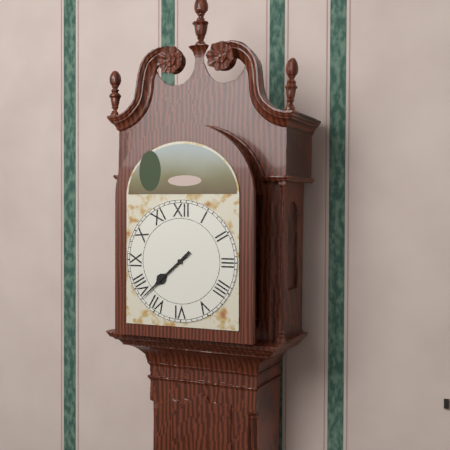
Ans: h=7 m=38
